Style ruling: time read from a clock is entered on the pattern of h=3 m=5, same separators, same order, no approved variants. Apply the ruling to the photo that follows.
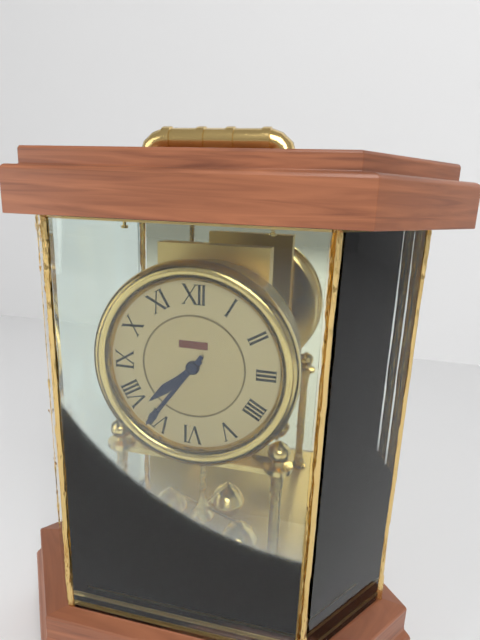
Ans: h=7 m=36
